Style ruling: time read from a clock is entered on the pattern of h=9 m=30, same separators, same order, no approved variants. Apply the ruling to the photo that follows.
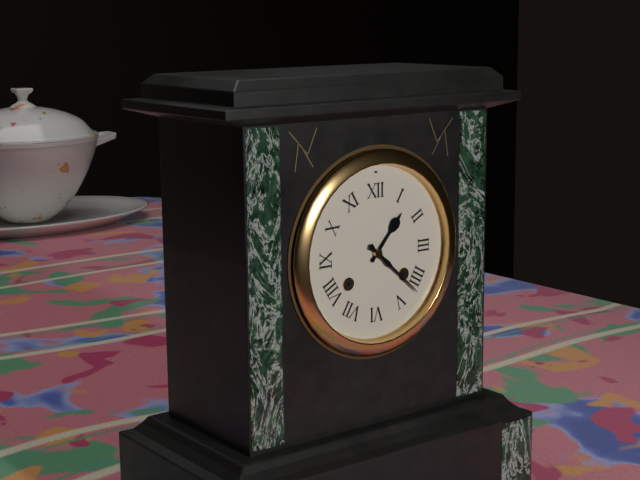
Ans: h=1 m=22
